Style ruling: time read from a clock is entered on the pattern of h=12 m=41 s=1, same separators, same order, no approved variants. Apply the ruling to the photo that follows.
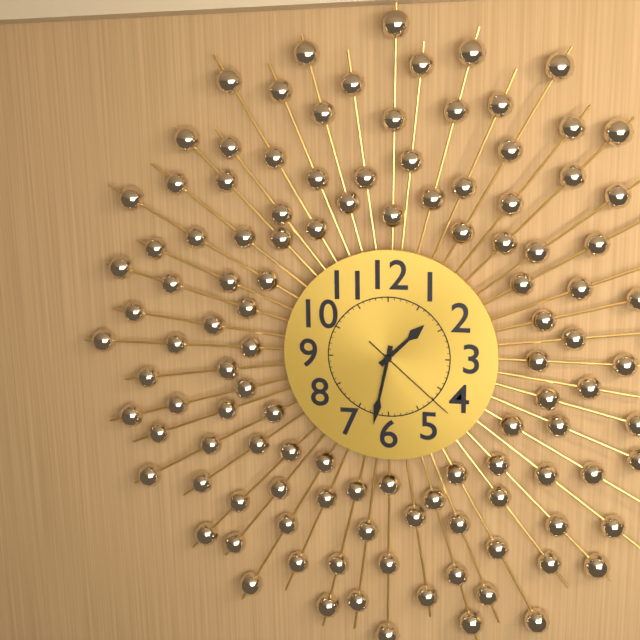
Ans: h=1 m=32 s=22
